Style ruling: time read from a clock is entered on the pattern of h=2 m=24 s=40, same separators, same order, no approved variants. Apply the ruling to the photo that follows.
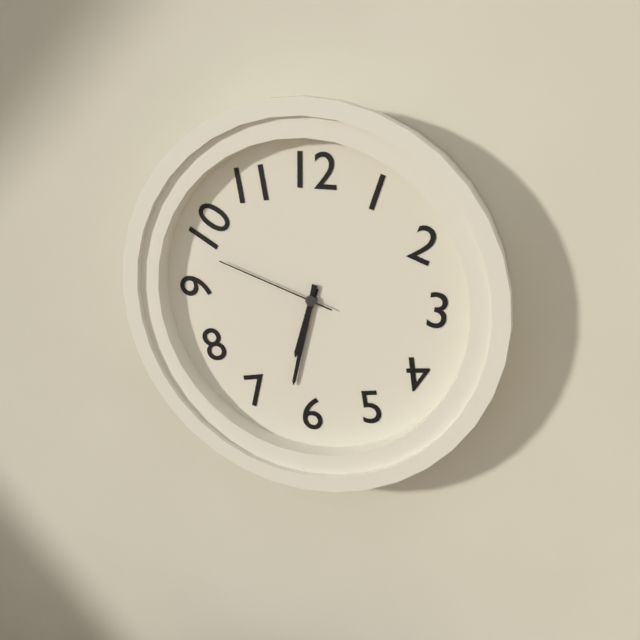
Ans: h=6 m=32 s=48
